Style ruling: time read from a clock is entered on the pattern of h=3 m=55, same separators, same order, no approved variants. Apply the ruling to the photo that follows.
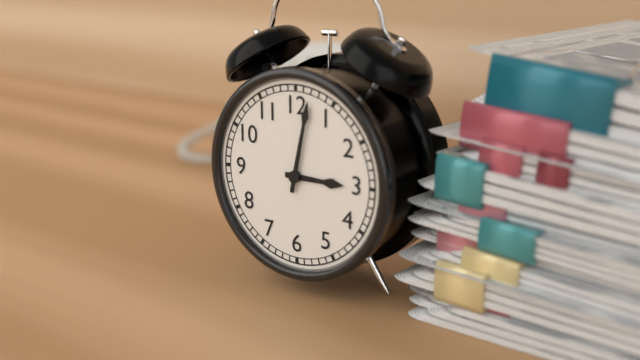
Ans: h=3 m=2
